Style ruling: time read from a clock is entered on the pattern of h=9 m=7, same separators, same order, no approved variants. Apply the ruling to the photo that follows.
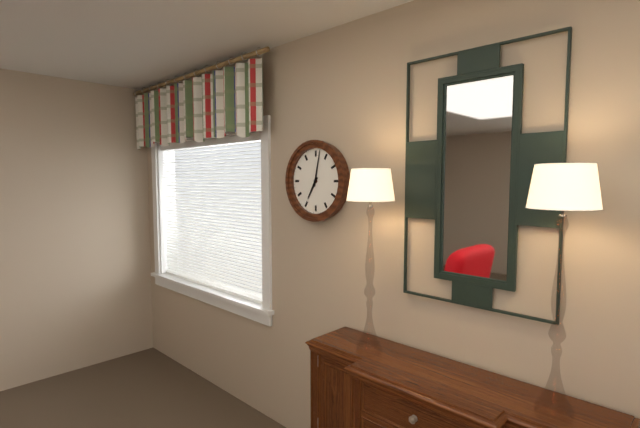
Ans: h=7 m=2
